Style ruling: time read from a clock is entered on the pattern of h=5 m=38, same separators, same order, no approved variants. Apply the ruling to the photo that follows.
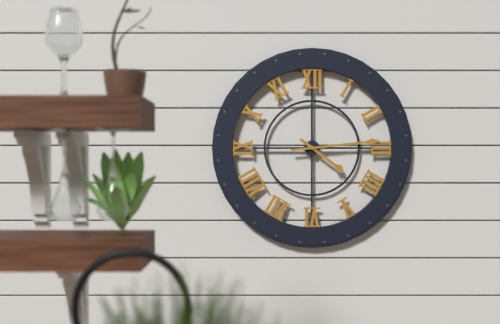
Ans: h=4 m=14
